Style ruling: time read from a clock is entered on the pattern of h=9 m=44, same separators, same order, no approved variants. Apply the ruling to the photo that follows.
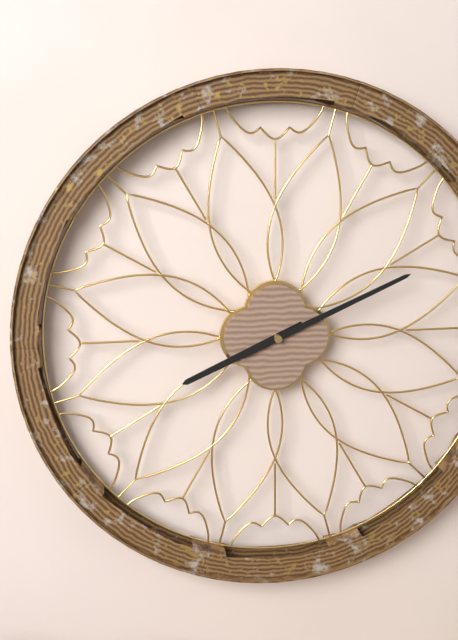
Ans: h=8 m=11
